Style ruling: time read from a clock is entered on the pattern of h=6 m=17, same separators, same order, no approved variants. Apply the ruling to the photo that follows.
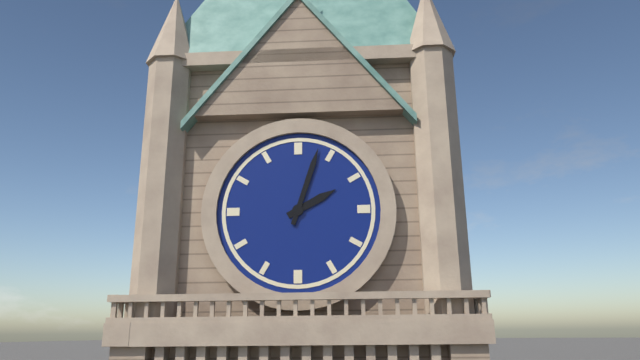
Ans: h=2 m=3
